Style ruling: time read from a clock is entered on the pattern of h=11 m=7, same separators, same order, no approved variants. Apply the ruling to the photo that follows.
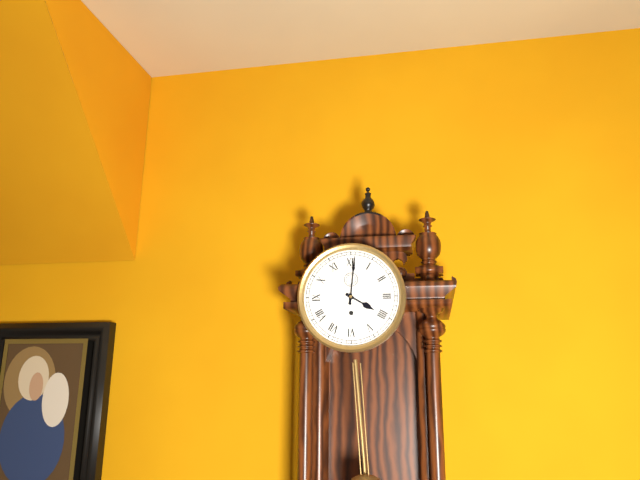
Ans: h=4 m=1
